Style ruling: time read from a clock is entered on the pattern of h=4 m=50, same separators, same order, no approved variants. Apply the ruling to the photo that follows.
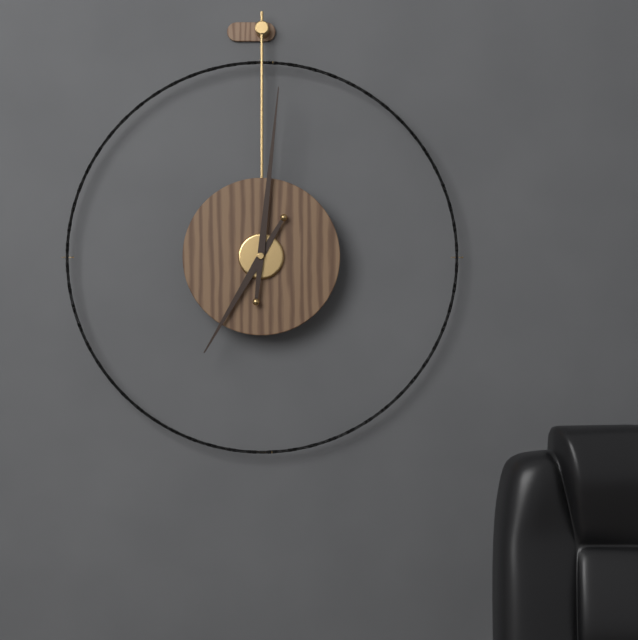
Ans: h=7 m=1
